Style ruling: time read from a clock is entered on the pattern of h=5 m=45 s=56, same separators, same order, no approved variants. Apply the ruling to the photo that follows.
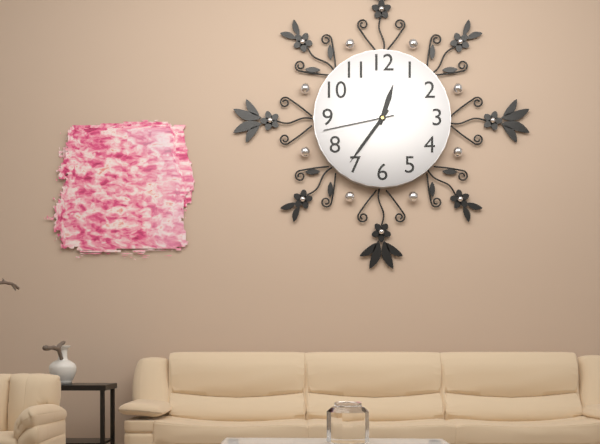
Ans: h=12 m=36 s=43
